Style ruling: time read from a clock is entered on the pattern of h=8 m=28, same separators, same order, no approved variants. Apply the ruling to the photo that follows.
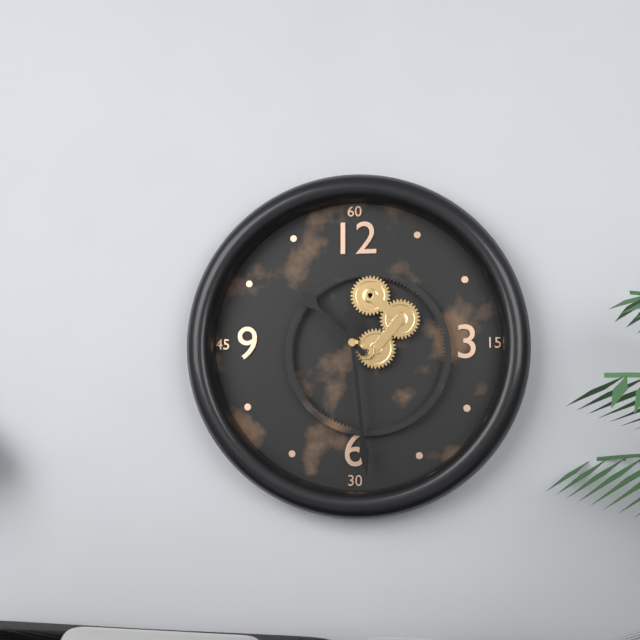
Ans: h=10 m=29
